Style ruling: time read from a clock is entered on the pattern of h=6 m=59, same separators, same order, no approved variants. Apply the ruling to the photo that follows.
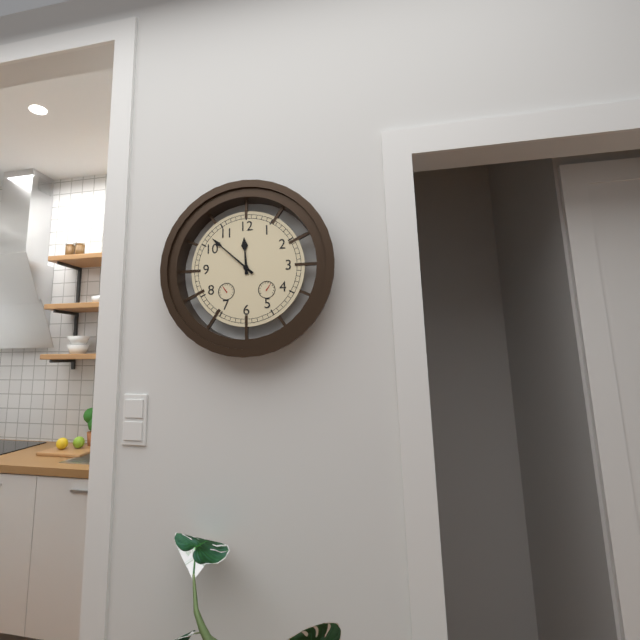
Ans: h=11 m=52
